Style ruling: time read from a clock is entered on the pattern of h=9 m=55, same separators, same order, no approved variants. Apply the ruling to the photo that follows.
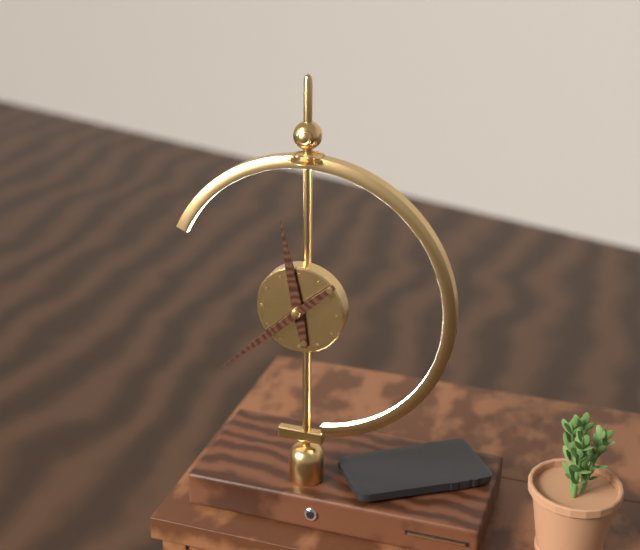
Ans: h=11 m=38
